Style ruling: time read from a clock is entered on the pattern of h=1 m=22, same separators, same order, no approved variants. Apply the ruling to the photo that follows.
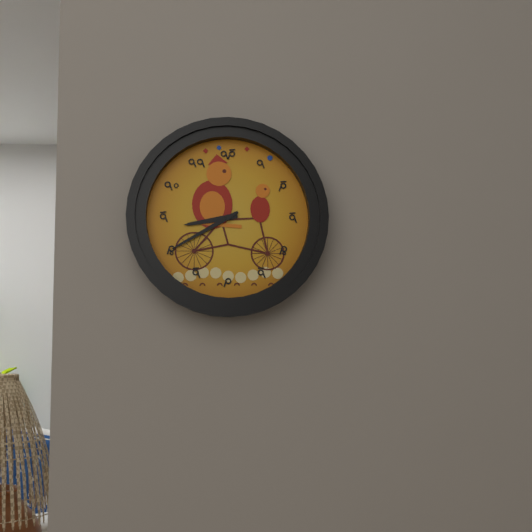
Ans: h=8 m=40
